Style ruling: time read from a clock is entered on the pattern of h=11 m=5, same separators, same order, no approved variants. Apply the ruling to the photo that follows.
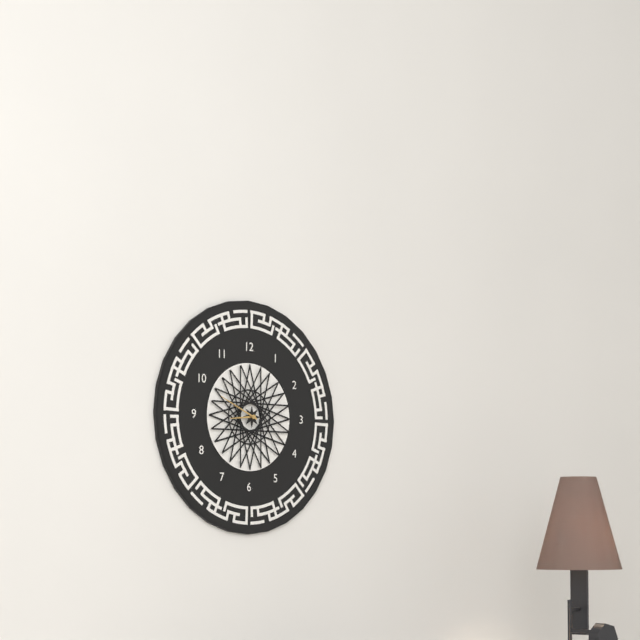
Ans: h=8 m=49
